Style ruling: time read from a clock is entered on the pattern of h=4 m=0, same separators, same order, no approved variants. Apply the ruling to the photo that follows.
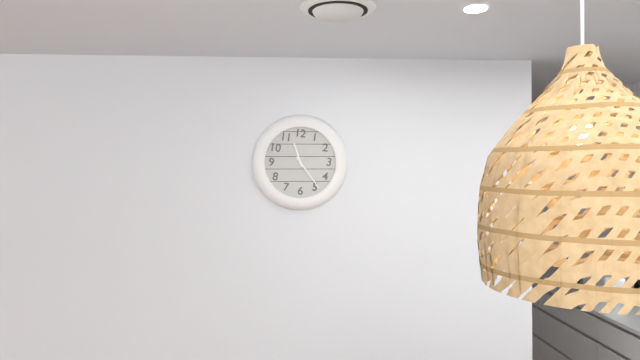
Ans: h=11 m=24
